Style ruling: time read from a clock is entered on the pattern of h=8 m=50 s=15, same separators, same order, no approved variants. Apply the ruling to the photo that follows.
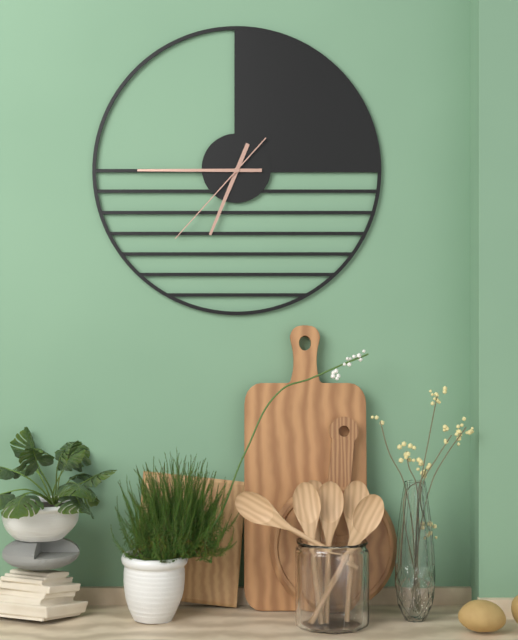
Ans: h=6 m=45 s=37
